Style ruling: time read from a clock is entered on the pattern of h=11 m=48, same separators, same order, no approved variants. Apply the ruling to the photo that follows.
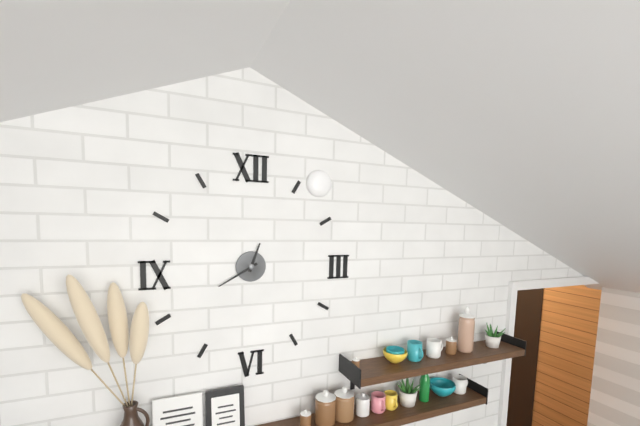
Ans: h=12 m=40
